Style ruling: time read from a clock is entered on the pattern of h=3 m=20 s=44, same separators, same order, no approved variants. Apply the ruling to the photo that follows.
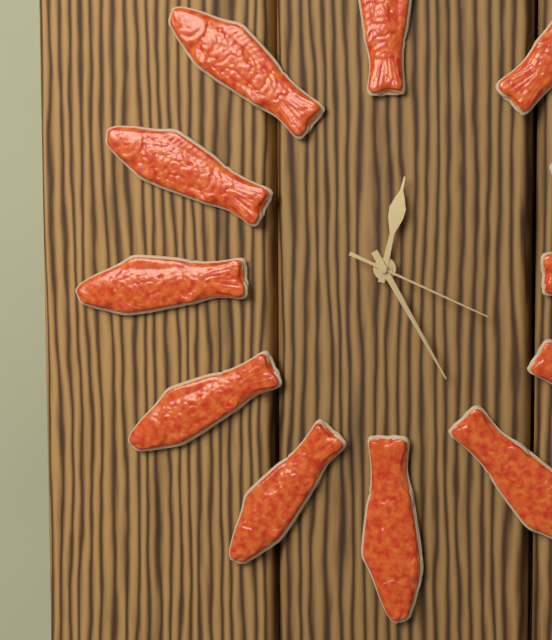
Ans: h=12 m=25 s=19
